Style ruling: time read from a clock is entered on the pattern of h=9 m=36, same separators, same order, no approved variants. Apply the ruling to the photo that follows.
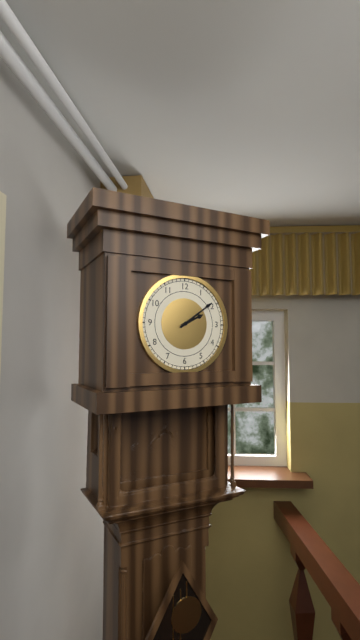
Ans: h=2 m=9
